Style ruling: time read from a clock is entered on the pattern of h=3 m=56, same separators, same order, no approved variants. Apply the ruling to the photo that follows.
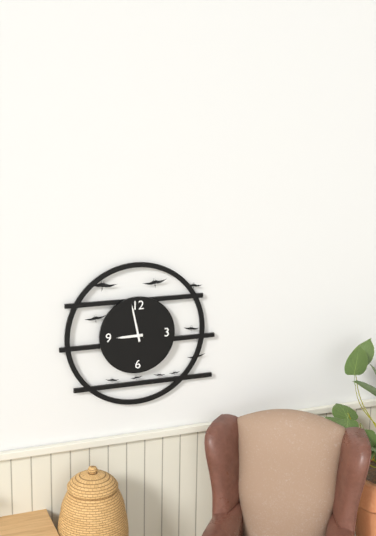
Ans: h=8 m=58
